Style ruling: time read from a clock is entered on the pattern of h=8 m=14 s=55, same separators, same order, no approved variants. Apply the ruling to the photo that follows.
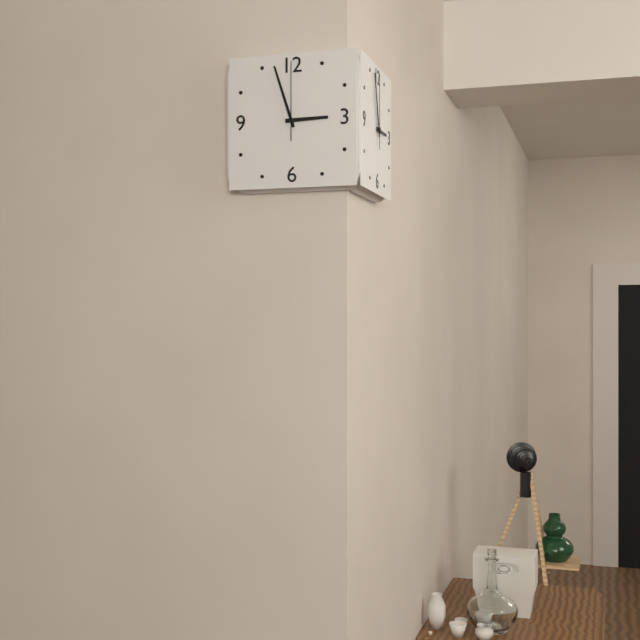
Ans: h=2 m=57 s=0
